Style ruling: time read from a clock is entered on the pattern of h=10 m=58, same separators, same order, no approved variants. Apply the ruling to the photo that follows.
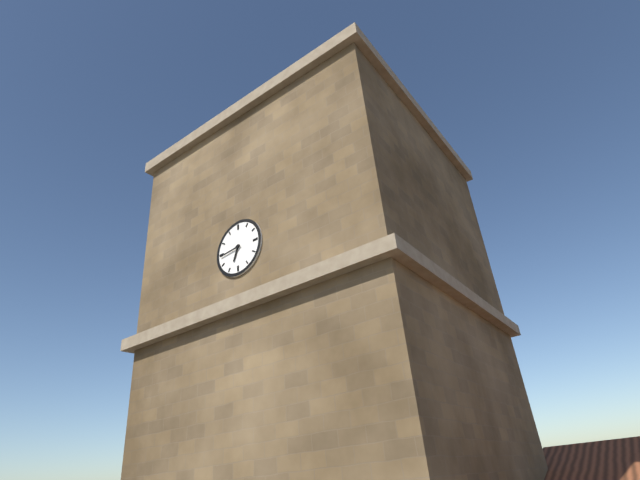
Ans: h=6 m=44
